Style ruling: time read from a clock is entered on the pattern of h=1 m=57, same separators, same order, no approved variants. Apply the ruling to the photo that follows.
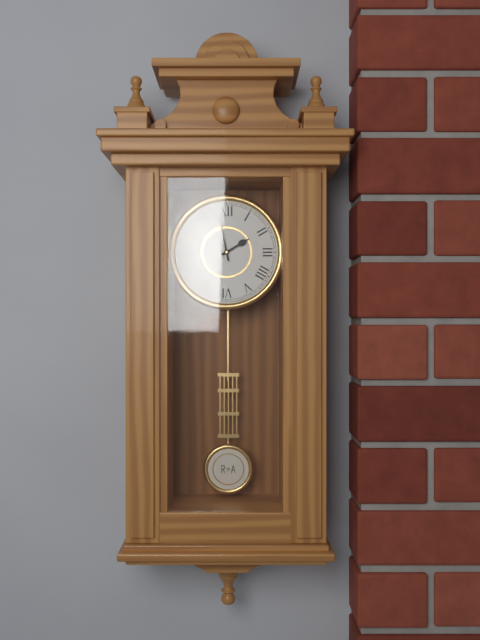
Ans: h=1 m=58
